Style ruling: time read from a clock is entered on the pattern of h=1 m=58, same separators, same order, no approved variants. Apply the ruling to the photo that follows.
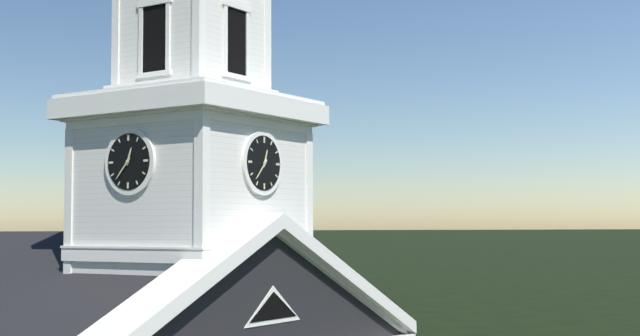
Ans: h=12 m=37
